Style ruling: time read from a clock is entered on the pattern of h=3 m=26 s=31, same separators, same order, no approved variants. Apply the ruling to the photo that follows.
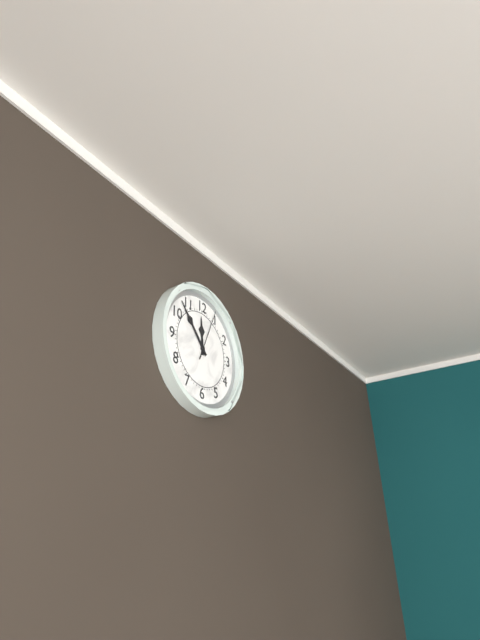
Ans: h=11 m=53 s=4
